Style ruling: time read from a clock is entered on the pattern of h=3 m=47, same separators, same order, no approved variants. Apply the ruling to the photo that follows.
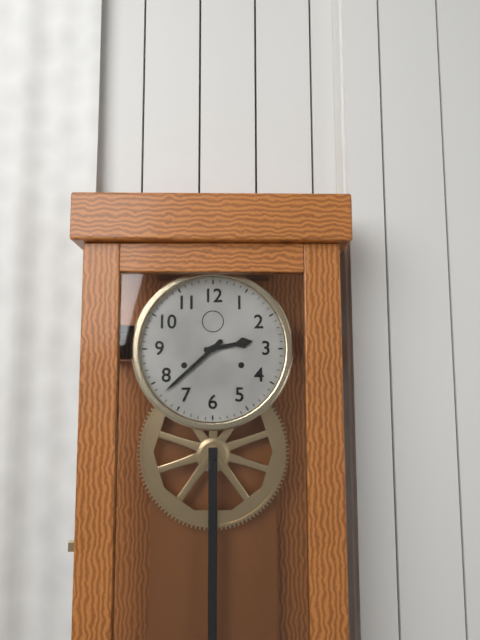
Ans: h=2 m=38
